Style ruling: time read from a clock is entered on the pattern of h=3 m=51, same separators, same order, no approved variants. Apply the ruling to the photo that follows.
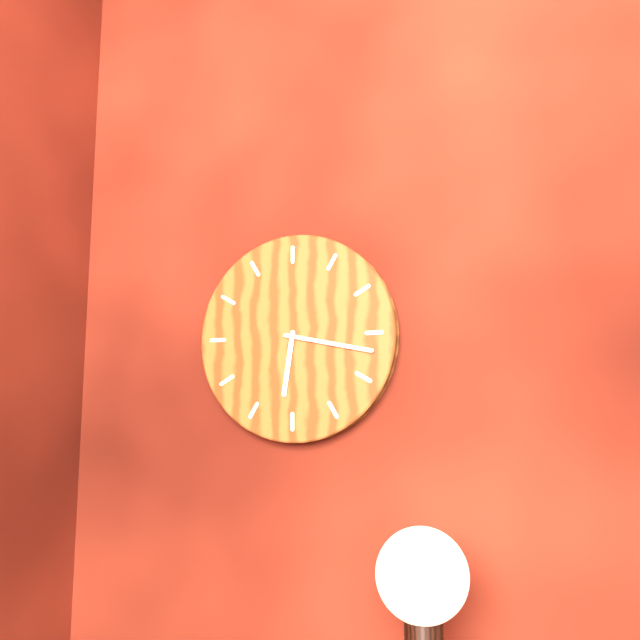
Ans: h=6 m=17
